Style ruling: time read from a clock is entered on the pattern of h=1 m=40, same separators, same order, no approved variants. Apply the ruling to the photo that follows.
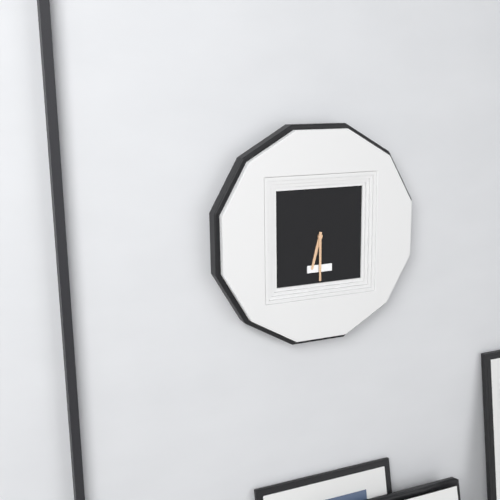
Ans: h=6 m=30
